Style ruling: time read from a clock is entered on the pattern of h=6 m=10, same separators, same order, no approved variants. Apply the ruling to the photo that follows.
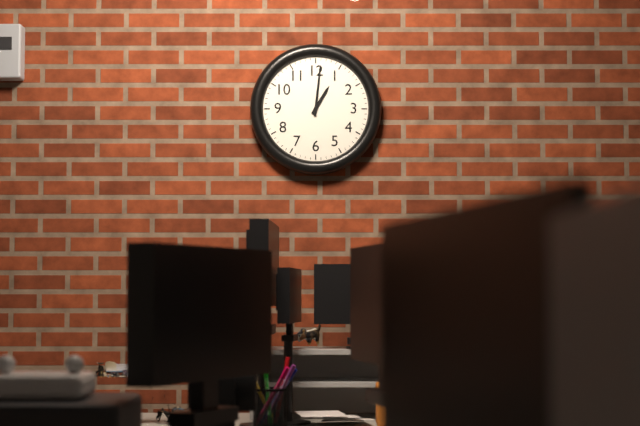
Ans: h=1 m=1
